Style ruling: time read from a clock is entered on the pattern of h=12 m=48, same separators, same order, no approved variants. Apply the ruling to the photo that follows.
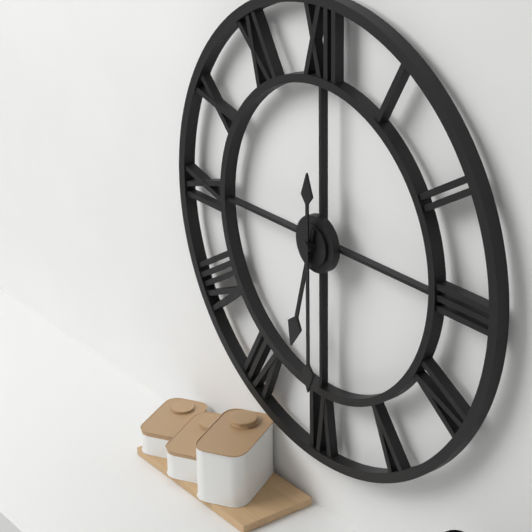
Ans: h=6 m=30
